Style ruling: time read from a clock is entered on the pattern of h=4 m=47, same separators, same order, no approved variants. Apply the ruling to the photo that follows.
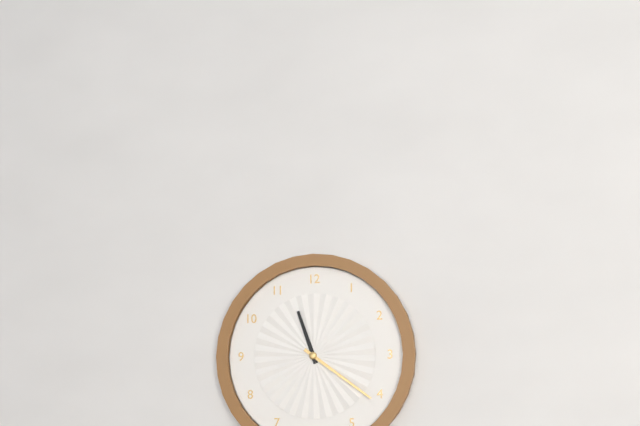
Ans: h=11 m=21
